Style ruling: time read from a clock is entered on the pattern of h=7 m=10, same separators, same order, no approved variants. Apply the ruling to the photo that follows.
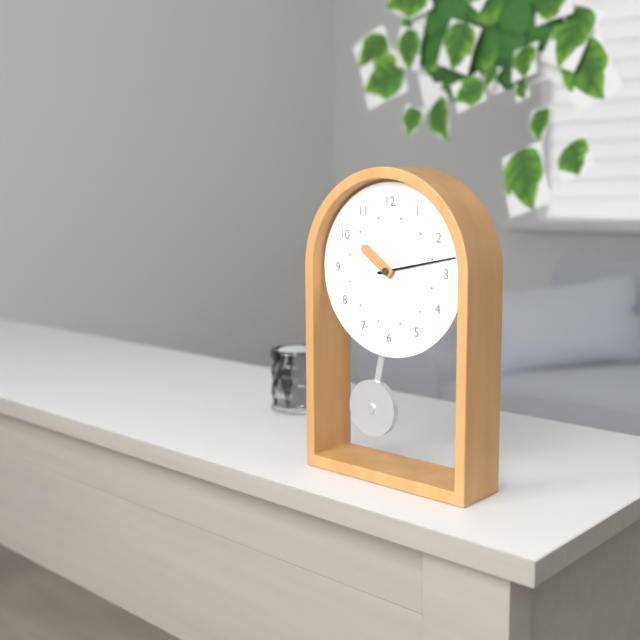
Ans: h=10 m=13
